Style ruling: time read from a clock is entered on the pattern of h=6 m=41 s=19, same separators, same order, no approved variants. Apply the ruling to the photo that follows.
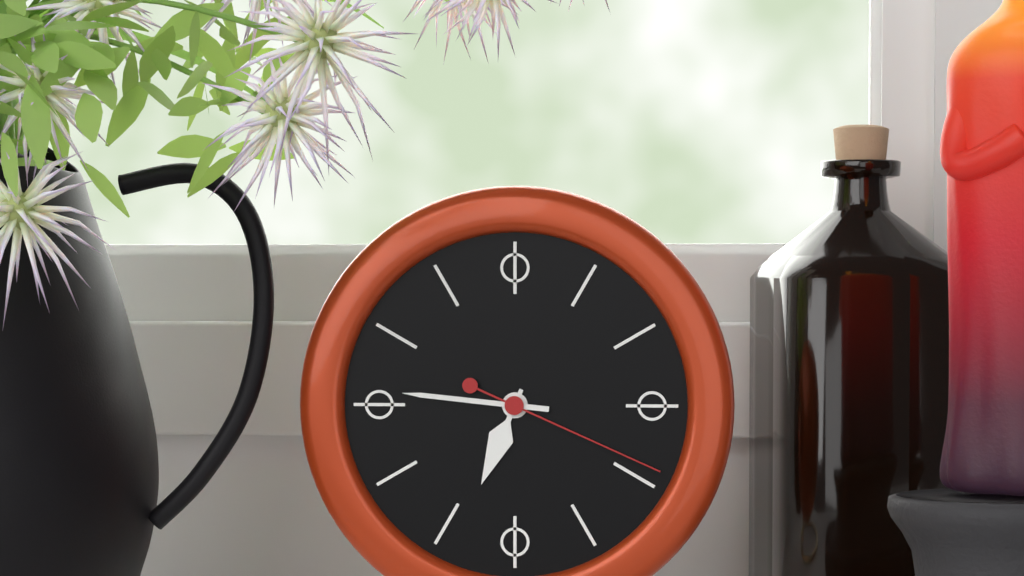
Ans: h=6 m=46 s=19
